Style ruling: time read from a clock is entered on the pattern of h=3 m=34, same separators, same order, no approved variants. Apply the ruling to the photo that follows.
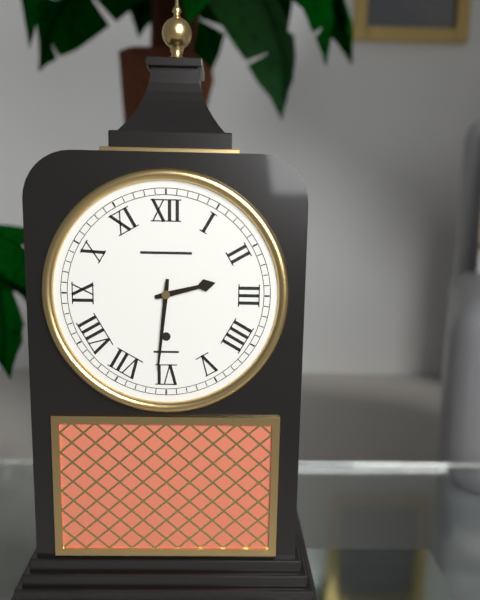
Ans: h=2 m=31
